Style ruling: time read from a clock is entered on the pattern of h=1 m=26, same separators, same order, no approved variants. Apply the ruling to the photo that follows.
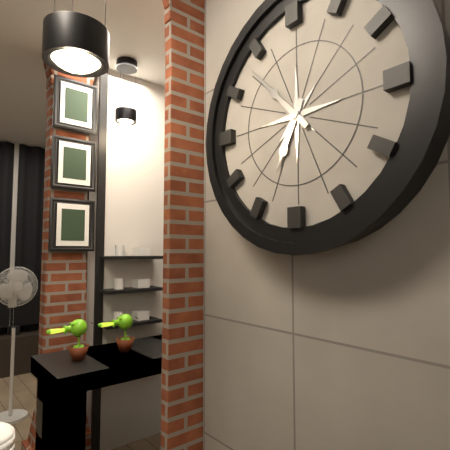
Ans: h=6 m=53
